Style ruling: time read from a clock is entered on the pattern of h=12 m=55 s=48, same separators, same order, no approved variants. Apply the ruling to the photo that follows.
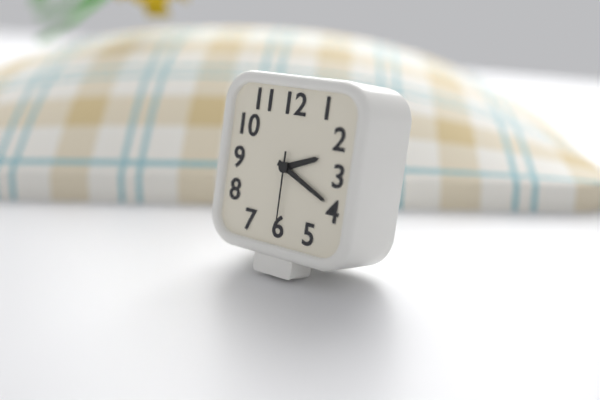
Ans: h=2 m=19 s=30
